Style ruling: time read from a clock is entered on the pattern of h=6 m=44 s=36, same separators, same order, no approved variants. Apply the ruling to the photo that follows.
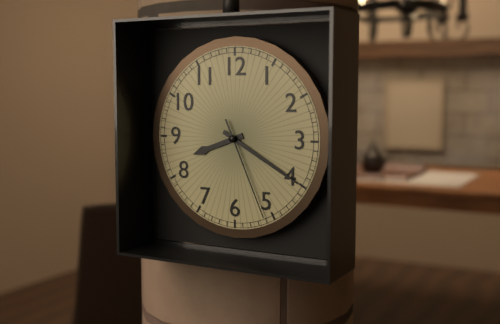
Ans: h=8 m=20 s=26
